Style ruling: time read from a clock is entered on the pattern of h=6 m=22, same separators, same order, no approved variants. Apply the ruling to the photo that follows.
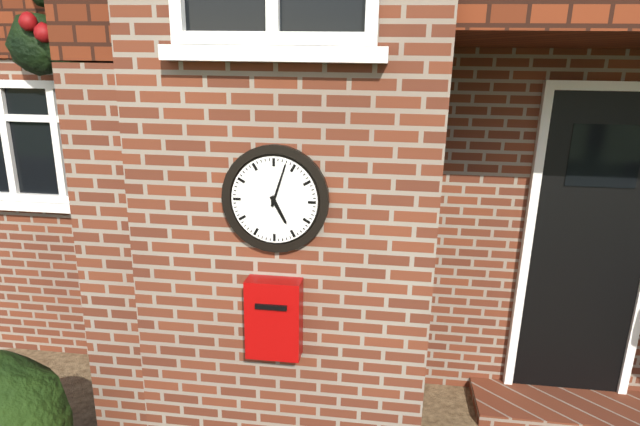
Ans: h=5 m=3
